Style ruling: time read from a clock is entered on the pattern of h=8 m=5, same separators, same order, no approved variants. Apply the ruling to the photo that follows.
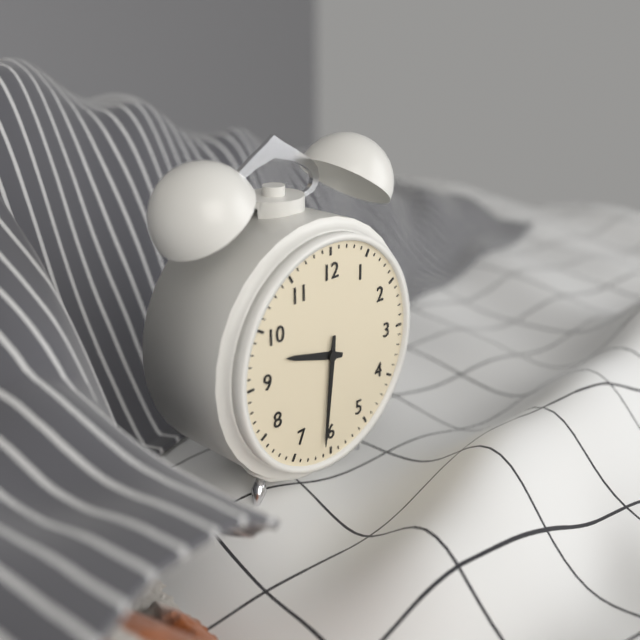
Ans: h=9 m=31
